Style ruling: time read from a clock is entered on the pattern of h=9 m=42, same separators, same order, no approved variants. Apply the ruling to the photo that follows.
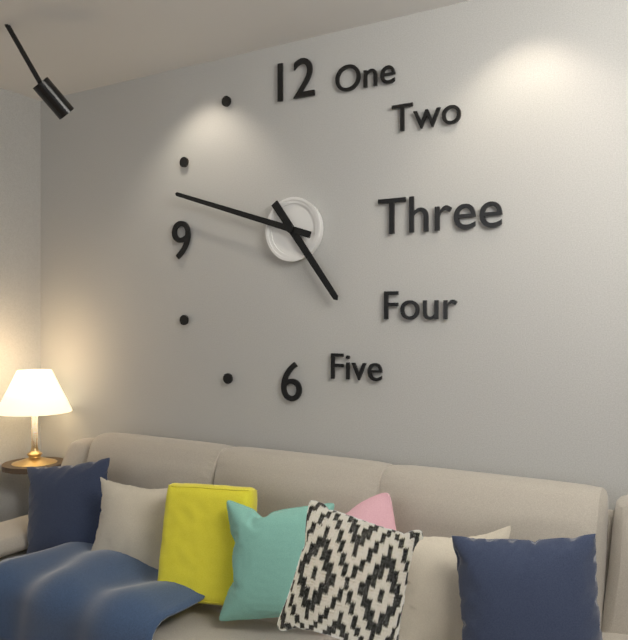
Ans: h=4 m=48
